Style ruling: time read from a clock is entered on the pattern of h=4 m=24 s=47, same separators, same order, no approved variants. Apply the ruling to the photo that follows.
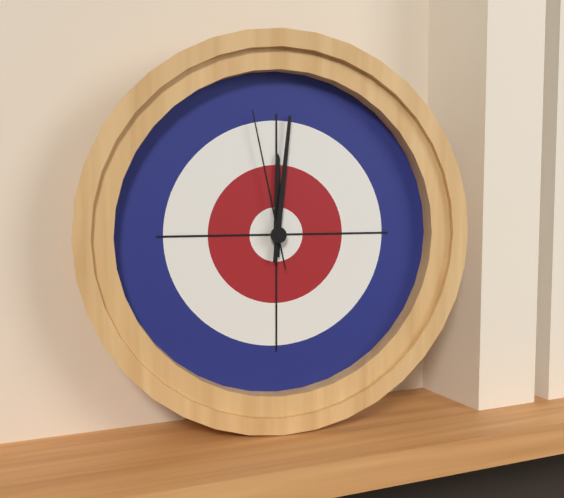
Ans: h=12 m=1 s=58
